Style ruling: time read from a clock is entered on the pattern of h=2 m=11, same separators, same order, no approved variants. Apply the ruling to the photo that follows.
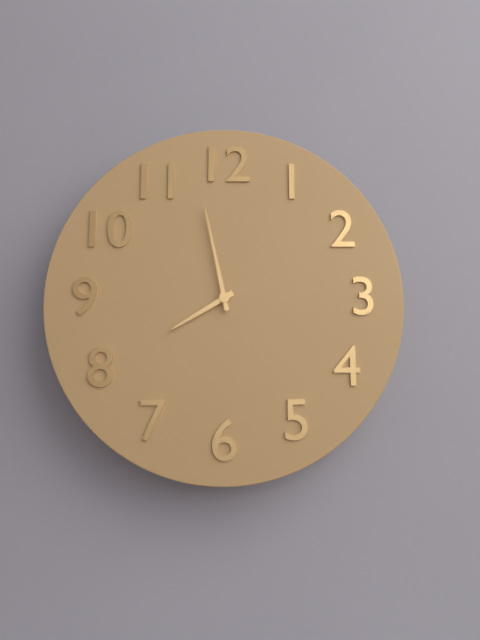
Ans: h=7 m=58
